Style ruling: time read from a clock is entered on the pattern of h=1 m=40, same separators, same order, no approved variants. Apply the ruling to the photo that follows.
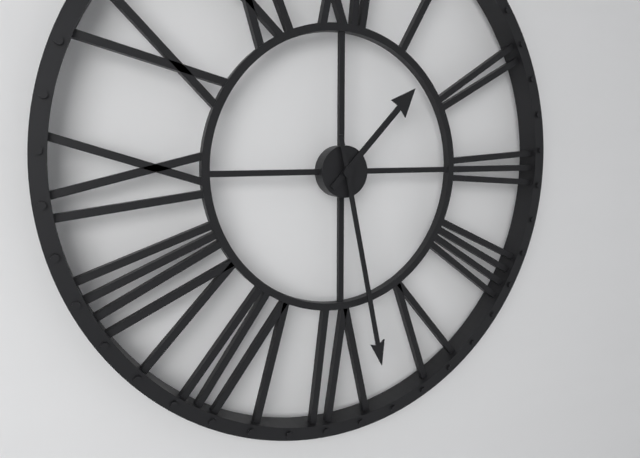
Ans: h=1 m=28
